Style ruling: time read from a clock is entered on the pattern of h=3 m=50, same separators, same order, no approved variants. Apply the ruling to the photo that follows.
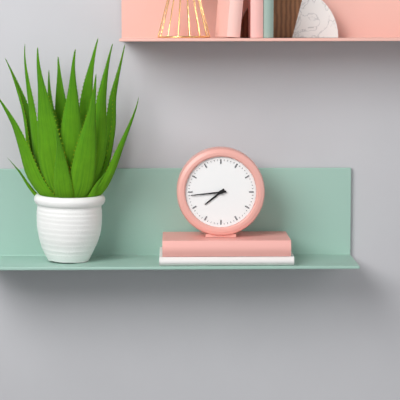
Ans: h=7 m=44
